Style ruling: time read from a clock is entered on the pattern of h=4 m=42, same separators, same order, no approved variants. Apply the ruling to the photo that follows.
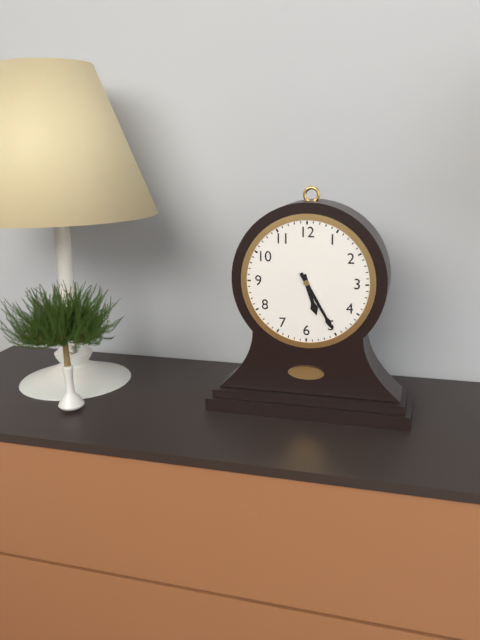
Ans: h=5 m=25
